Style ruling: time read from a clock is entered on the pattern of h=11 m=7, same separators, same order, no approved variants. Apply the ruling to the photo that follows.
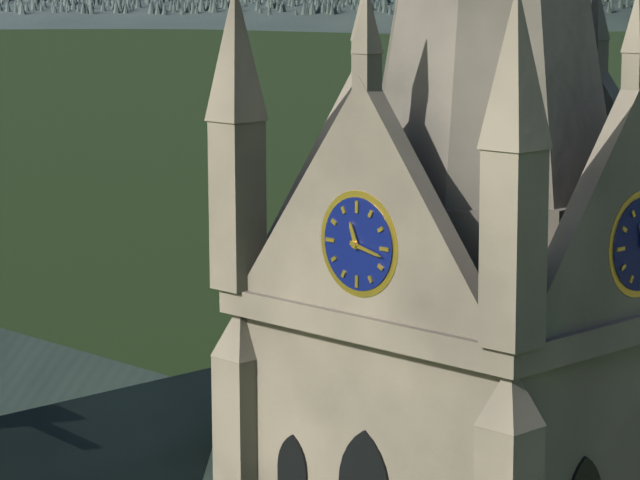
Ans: h=11 m=17
